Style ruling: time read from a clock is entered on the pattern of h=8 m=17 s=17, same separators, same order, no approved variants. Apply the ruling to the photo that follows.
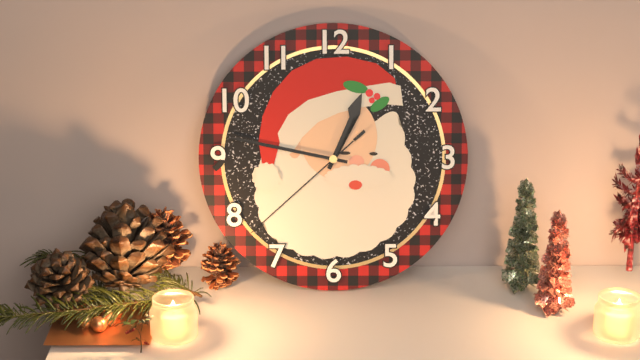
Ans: h=12 m=47 s=38
